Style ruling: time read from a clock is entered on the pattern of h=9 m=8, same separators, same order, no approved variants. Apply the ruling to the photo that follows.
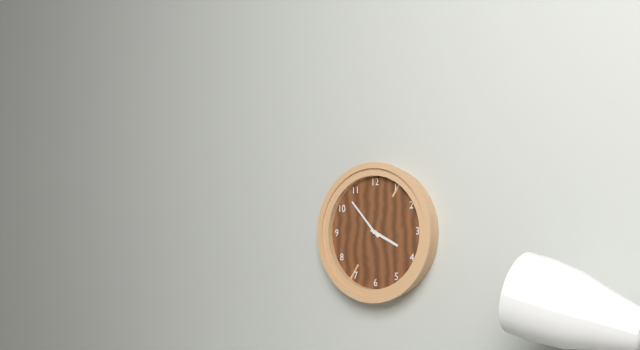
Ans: h=3 m=53
